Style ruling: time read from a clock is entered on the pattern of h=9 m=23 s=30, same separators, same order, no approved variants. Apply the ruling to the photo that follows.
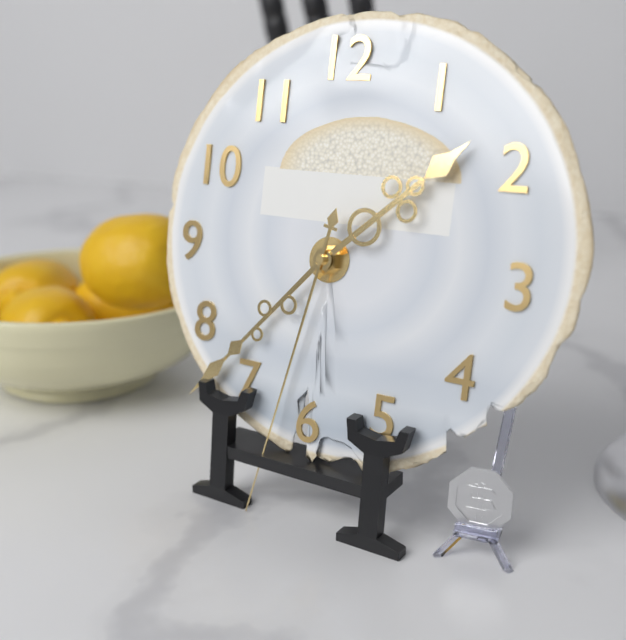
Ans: h=1 m=37 s=32
